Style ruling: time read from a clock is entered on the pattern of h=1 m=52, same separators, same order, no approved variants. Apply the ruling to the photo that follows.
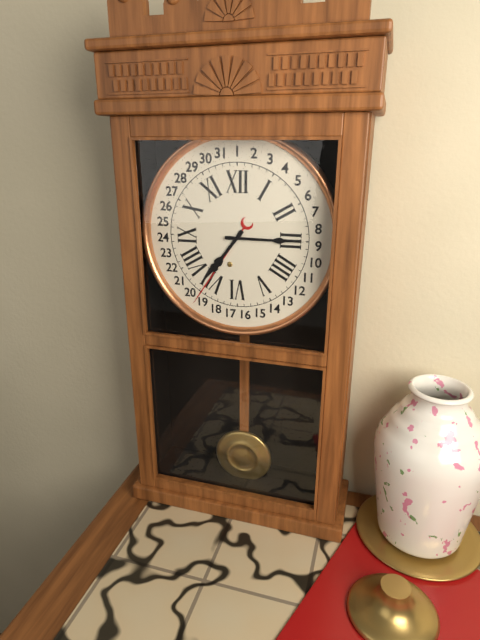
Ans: h=7 m=15
